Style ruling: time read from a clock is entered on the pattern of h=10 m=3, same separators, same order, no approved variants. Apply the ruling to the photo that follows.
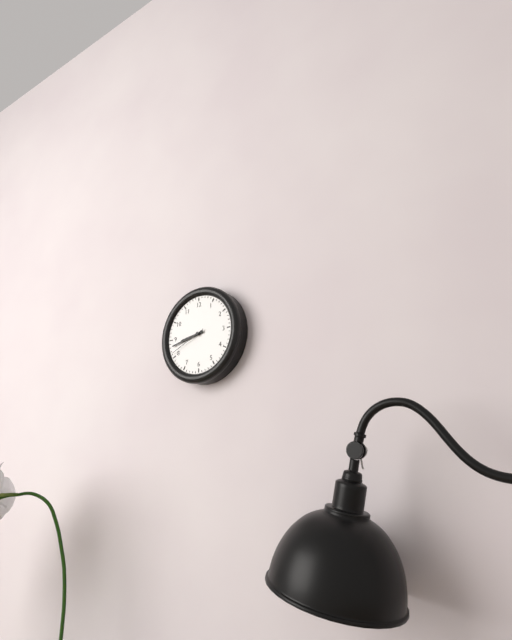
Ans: h=8 m=43
